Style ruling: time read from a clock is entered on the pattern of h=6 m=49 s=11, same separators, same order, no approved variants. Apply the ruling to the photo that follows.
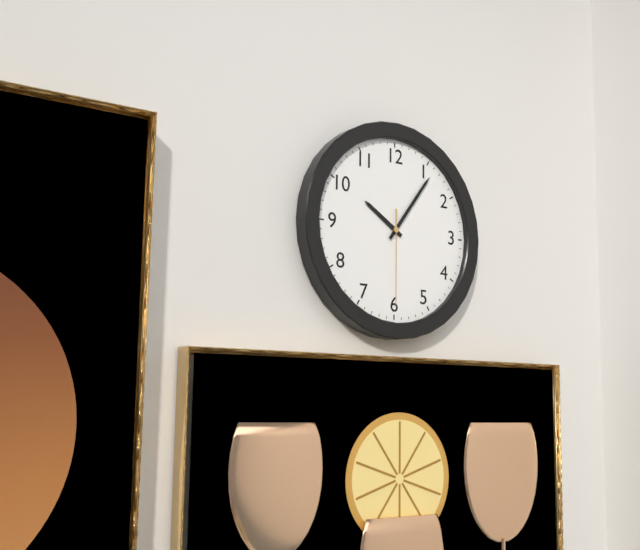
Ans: h=10 m=6 s=30
